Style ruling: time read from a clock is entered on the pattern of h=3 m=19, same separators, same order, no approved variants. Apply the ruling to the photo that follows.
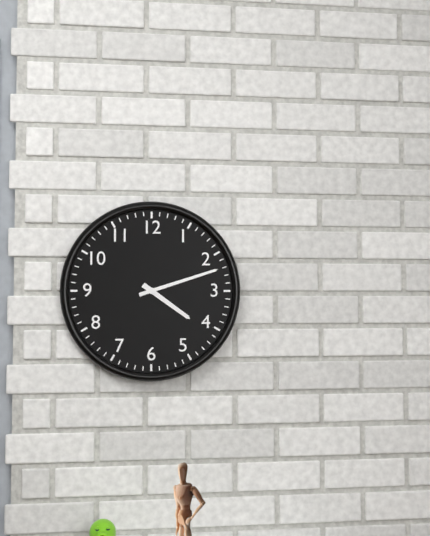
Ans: h=4 m=12
